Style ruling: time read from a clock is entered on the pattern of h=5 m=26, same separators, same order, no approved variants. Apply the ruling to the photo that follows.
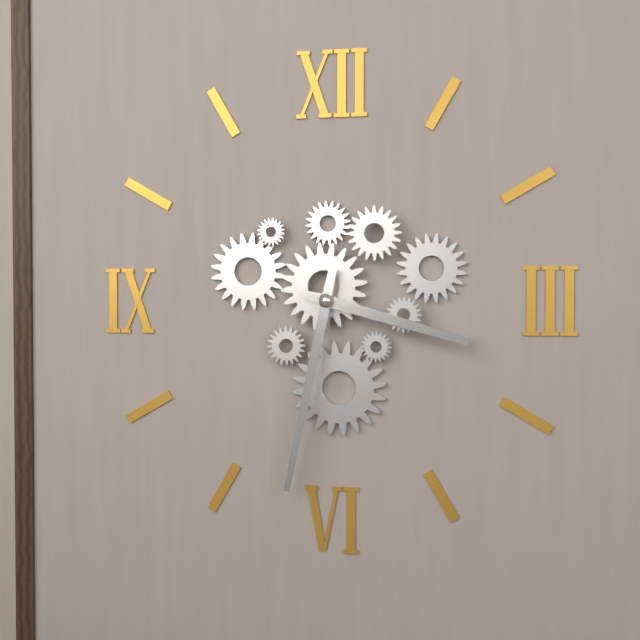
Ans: h=3 m=32
